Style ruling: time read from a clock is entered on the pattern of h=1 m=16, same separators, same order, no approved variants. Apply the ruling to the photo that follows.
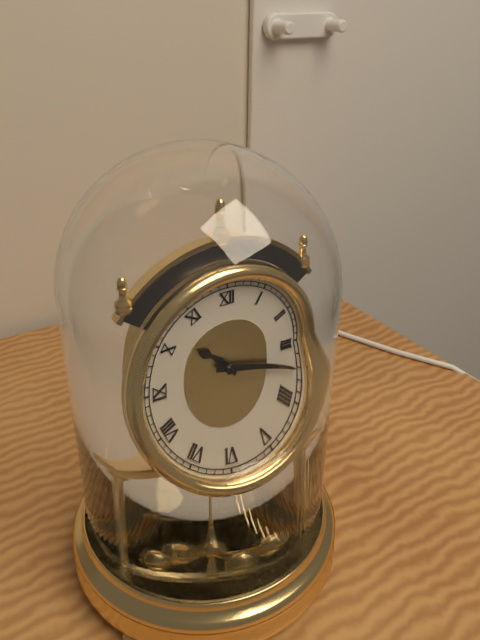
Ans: h=10 m=17
